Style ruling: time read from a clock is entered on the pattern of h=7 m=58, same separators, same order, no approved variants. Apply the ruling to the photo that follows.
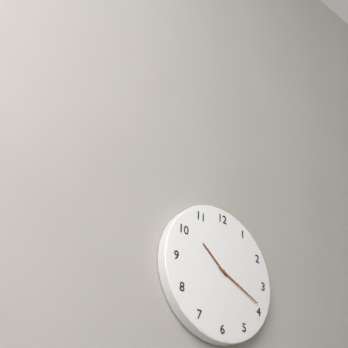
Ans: h=10 m=19
